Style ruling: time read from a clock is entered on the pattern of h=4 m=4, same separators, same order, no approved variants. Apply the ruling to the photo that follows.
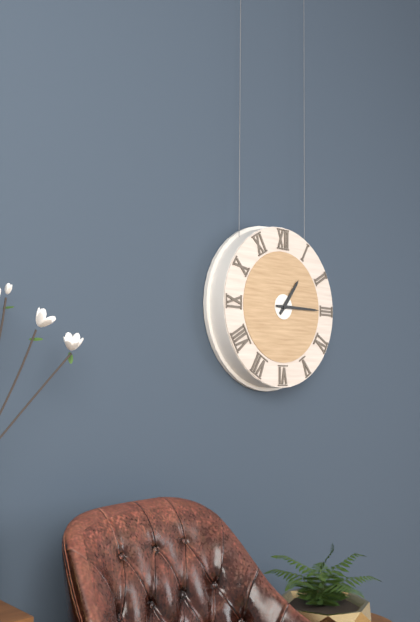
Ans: h=1 m=15
